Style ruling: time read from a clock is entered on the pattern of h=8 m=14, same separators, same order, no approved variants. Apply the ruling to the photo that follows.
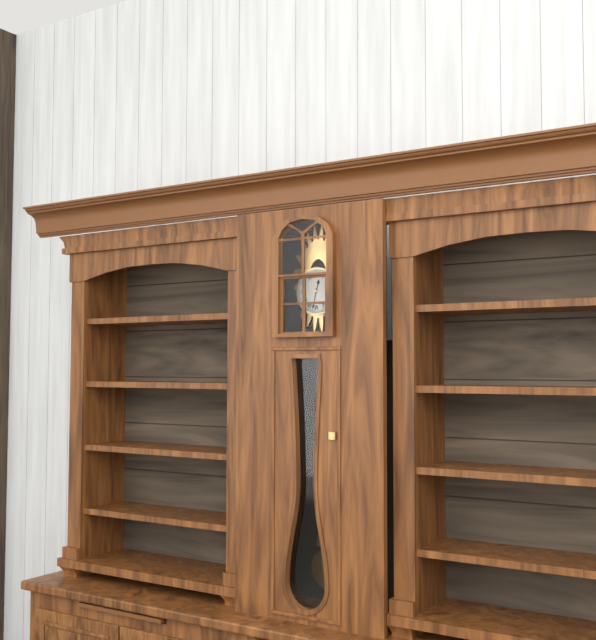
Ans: h=12 m=32
